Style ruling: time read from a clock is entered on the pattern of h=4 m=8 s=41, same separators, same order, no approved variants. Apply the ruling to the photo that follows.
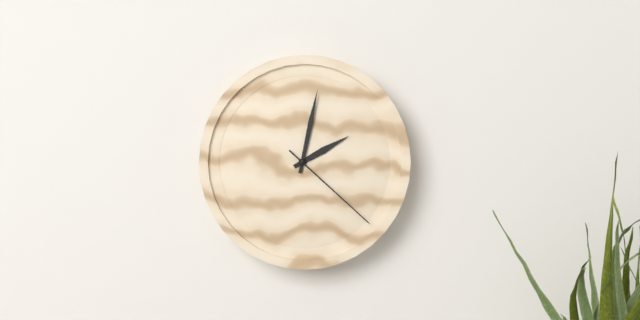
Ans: h=2 m=2 s=22
